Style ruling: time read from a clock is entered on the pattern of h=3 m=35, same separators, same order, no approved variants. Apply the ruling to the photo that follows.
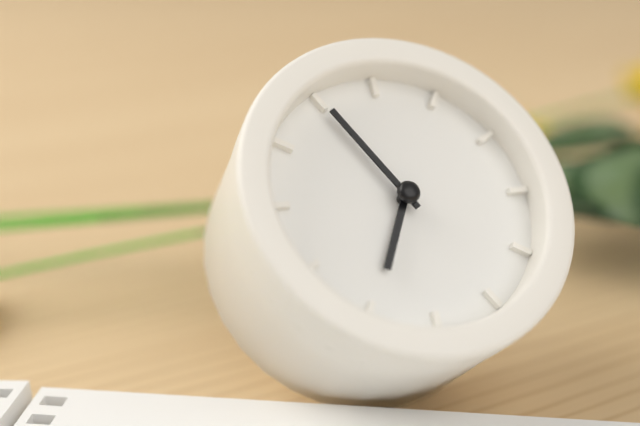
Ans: h=6 m=55
